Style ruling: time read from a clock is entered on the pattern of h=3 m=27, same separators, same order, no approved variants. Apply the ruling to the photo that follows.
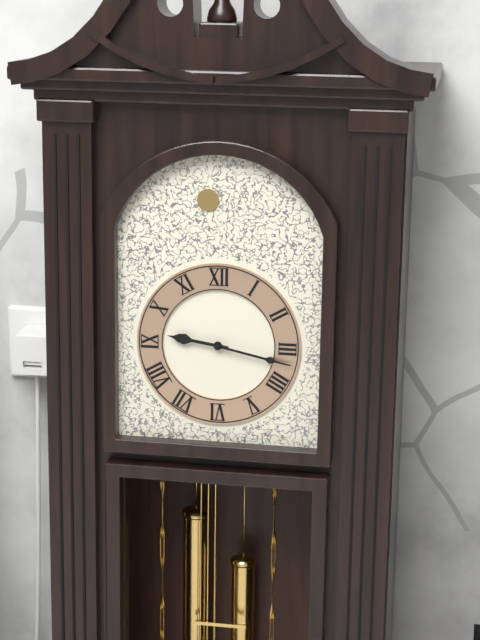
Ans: h=9 m=17
